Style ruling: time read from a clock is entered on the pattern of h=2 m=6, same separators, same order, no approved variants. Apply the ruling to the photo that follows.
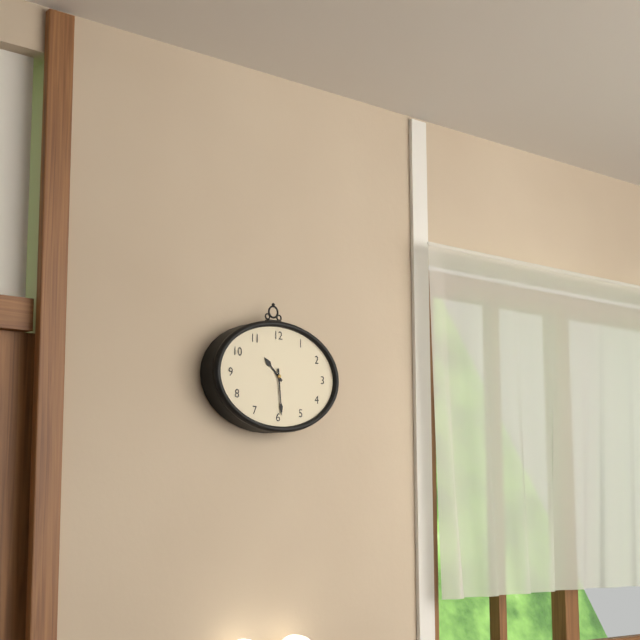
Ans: h=10 m=29
